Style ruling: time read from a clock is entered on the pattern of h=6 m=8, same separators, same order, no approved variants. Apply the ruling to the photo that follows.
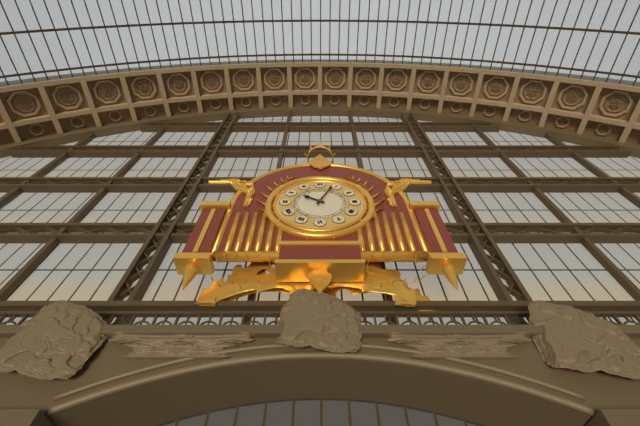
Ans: h=10 m=4
